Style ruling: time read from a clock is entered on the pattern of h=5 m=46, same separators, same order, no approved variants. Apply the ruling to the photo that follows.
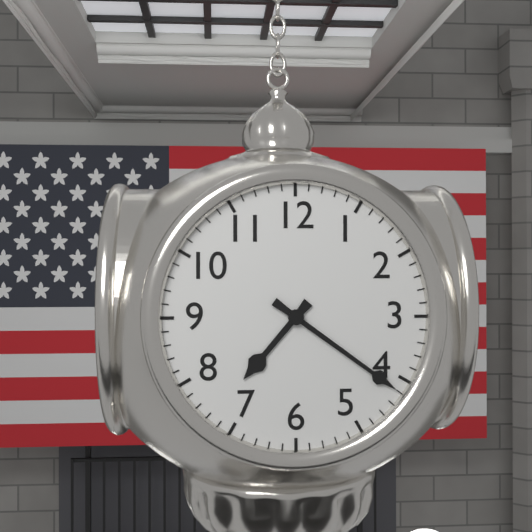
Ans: h=7 m=21
